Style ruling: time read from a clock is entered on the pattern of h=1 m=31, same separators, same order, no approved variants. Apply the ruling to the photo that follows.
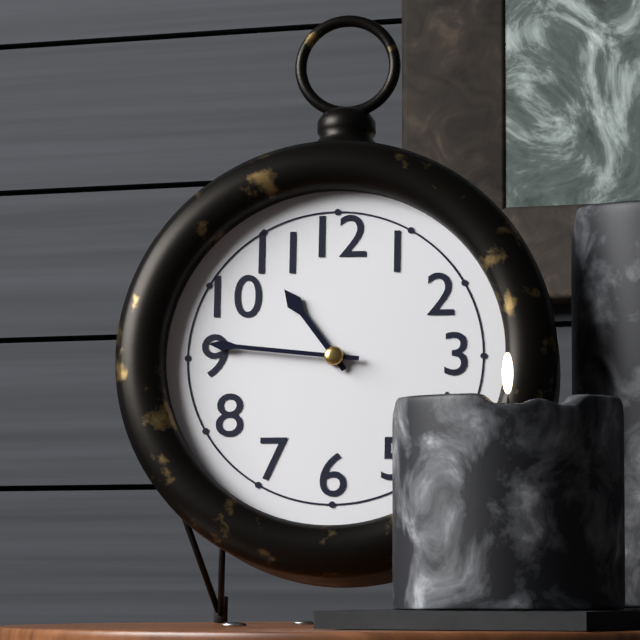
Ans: h=10 m=46
